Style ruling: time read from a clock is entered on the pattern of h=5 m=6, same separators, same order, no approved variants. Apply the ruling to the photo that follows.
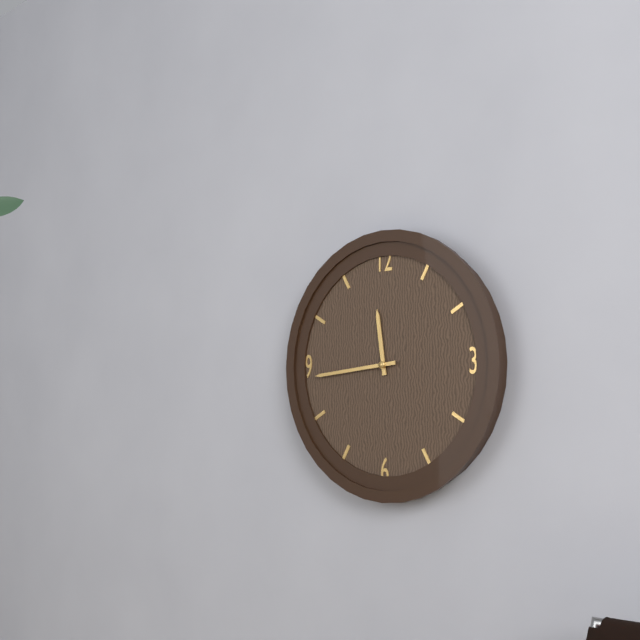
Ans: h=11 m=44
